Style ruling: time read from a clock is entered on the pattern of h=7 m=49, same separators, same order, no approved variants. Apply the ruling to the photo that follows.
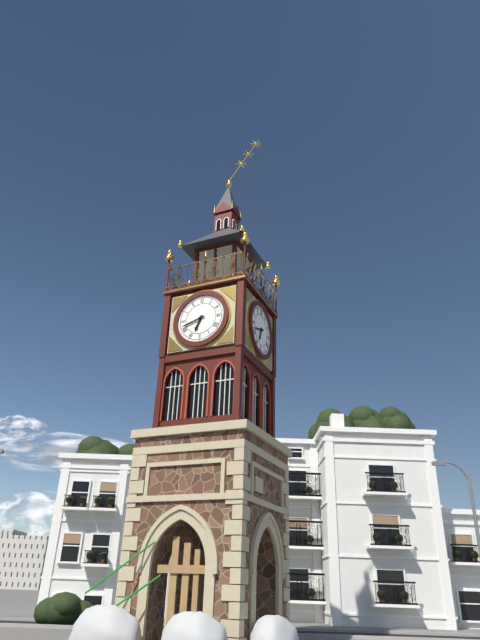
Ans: h=6 m=42
